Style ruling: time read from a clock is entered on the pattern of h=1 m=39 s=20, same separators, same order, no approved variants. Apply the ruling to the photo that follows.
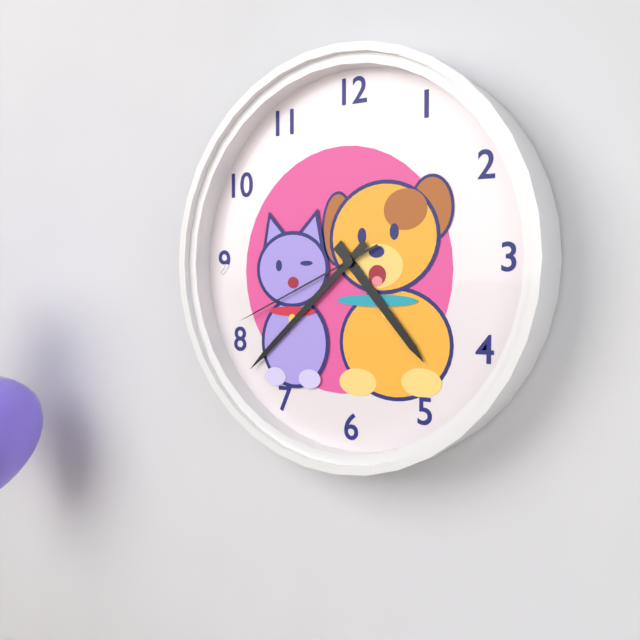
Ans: h=4 m=38 s=41
